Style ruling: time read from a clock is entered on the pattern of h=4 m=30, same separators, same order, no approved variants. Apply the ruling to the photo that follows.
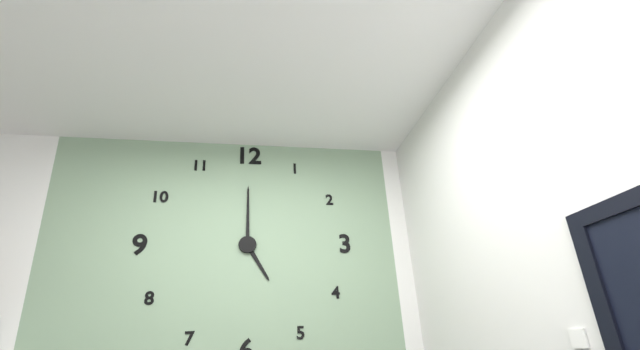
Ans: h=5 m=0
